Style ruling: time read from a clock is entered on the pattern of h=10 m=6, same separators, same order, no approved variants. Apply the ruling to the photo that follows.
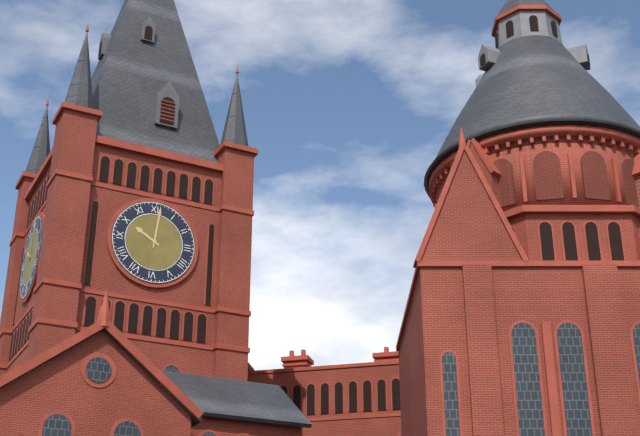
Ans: h=10 m=1
